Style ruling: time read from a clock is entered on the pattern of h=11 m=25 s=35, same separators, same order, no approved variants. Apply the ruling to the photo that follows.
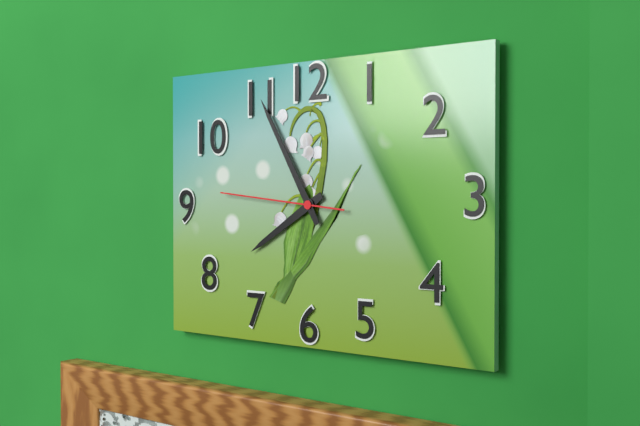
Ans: h=7 m=55 s=46
